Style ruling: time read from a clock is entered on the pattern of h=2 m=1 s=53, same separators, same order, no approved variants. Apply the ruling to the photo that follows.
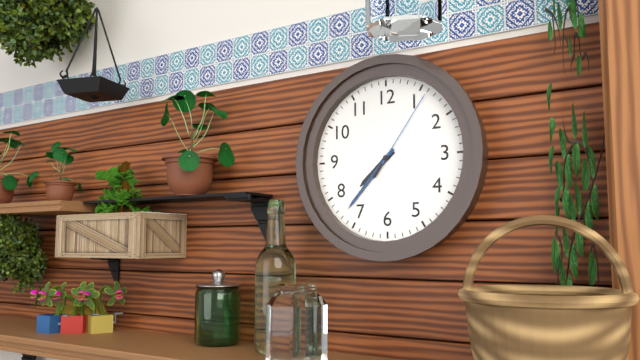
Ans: h=7 m=37 s=6
